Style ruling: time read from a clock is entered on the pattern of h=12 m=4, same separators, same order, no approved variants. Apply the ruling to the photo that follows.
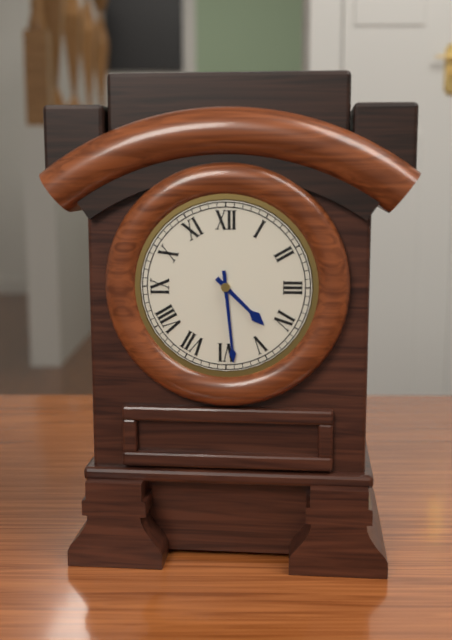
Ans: h=4 m=29
